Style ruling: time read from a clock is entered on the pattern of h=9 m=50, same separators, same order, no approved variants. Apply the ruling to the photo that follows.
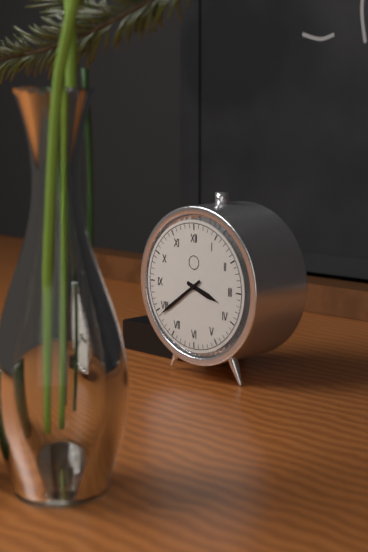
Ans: h=3 m=39
